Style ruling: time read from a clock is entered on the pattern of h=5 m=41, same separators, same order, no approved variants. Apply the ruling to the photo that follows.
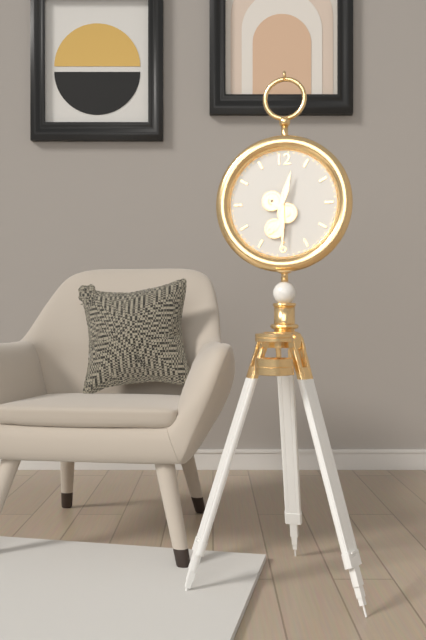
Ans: h=12 m=30
